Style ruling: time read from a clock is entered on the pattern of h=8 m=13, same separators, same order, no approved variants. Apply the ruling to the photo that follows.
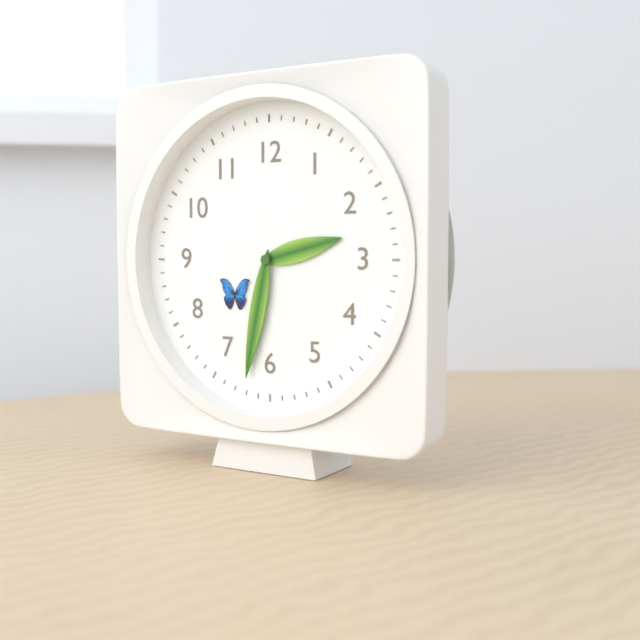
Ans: h=2 m=32
